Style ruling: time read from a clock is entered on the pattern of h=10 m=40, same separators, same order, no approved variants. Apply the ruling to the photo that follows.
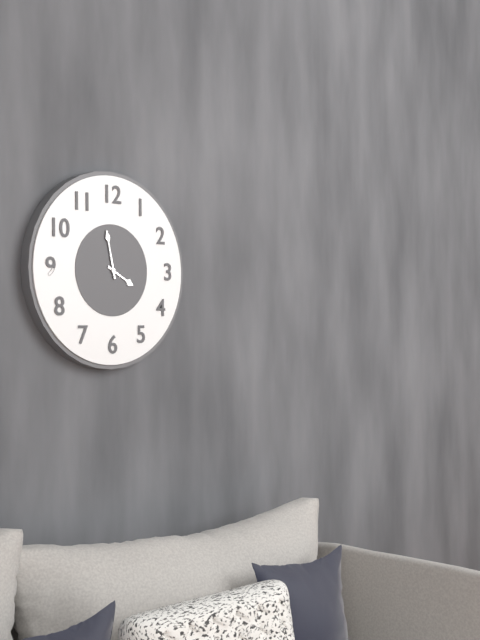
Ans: h=3 m=58
